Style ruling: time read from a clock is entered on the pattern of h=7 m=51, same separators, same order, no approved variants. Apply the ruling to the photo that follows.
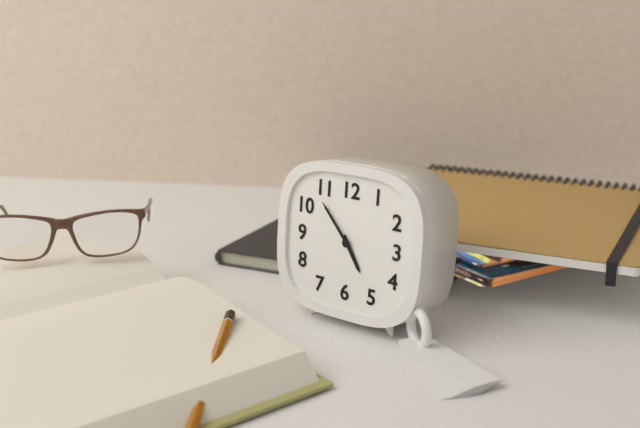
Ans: h=4 m=53
